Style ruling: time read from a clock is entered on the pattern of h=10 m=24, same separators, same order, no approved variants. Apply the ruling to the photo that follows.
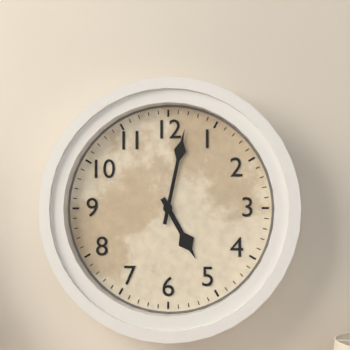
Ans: h=5 m=2
